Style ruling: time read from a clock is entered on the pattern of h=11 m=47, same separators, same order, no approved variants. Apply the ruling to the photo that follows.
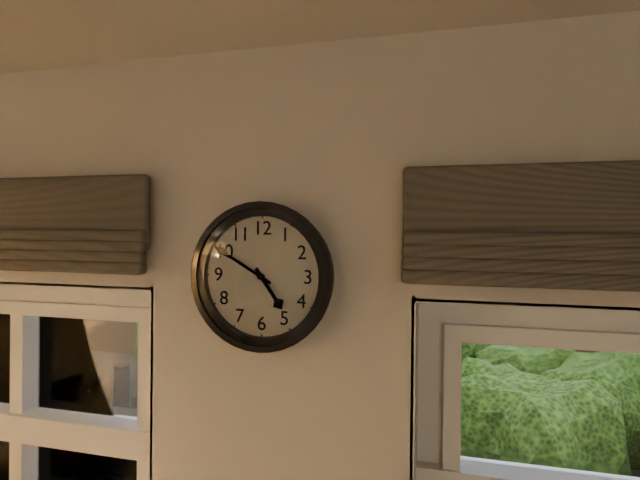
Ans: h=4 m=50
